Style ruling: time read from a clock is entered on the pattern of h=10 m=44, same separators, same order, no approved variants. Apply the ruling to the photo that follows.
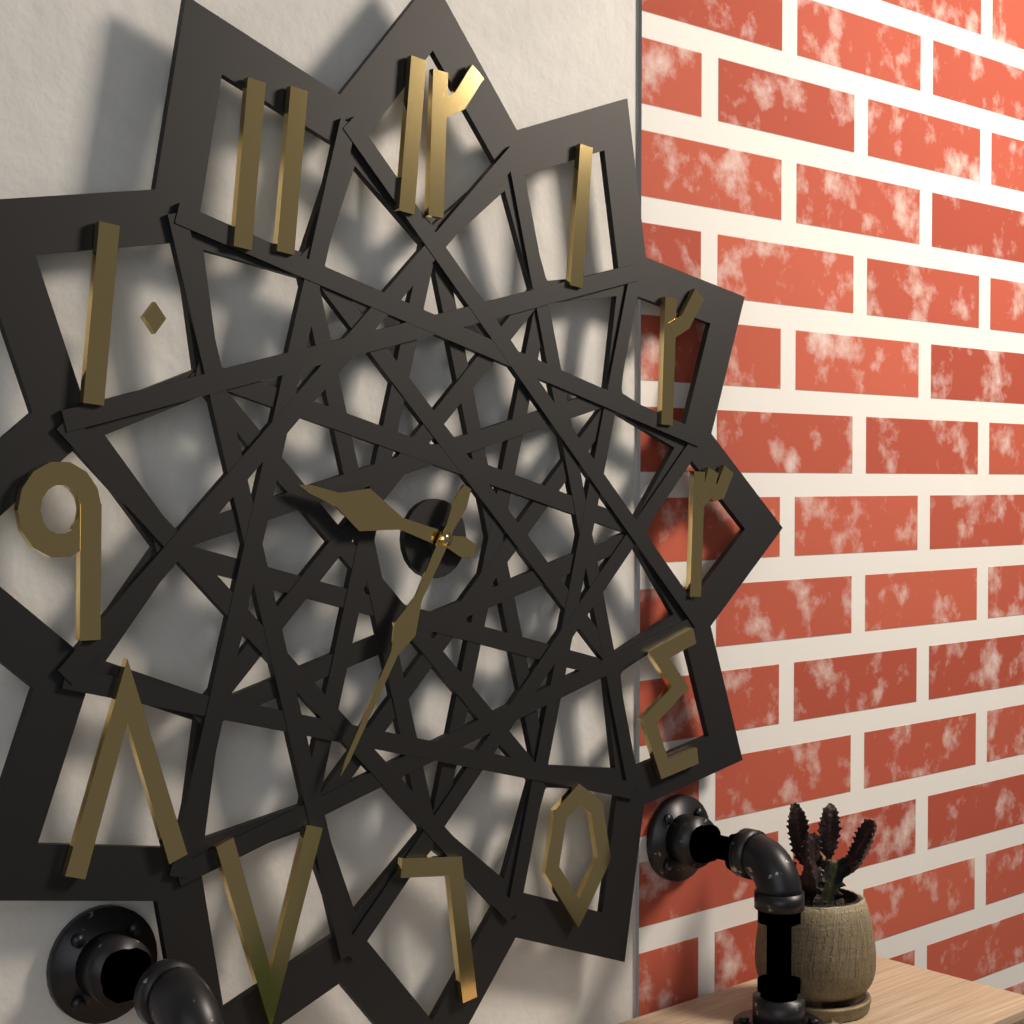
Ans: h=9 m=35
